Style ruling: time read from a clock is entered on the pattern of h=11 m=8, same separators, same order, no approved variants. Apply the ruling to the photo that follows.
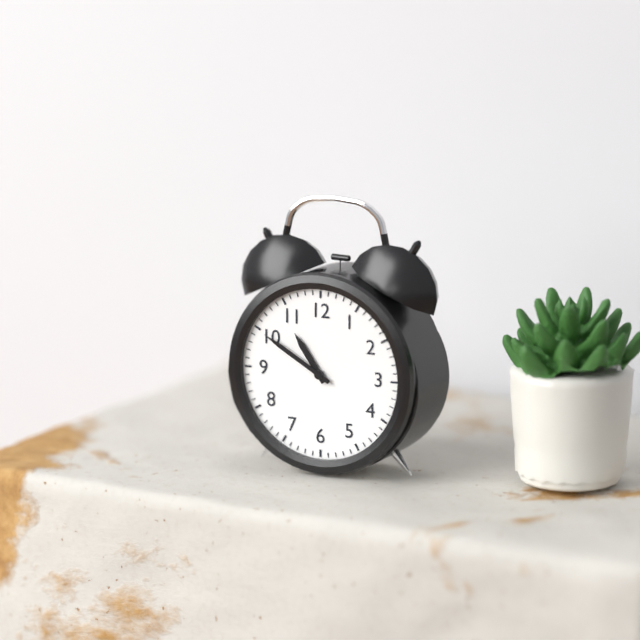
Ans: h=10 m=50
